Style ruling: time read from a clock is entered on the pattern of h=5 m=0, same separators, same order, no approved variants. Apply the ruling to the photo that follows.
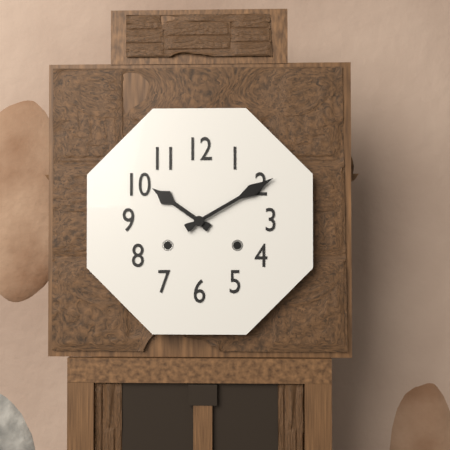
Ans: h=10 m=10
